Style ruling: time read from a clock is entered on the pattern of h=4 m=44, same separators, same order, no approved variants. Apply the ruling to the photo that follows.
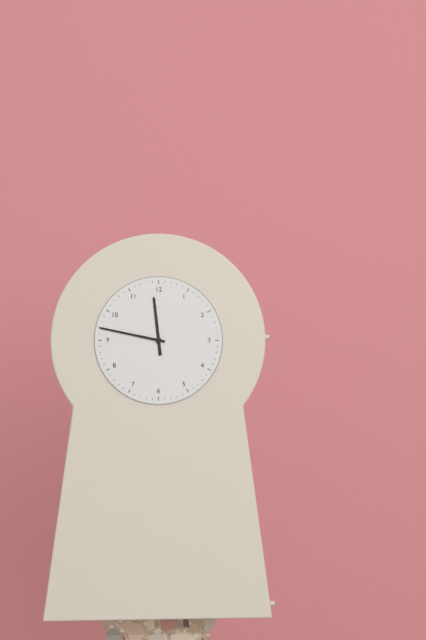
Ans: h=11 m=47
